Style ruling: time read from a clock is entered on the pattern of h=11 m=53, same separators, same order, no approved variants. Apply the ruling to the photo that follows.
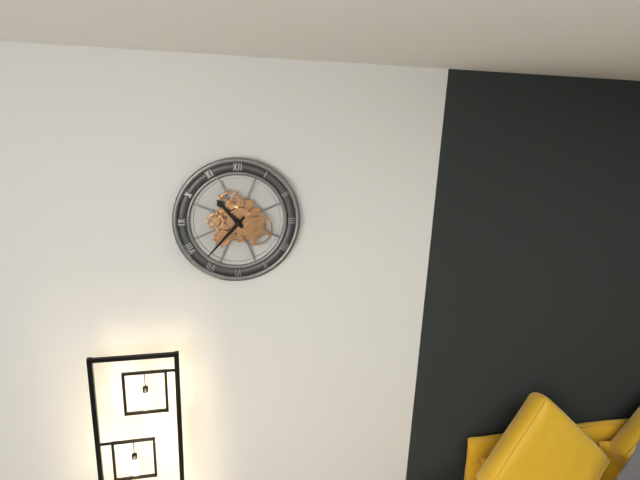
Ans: h=10 m=37
